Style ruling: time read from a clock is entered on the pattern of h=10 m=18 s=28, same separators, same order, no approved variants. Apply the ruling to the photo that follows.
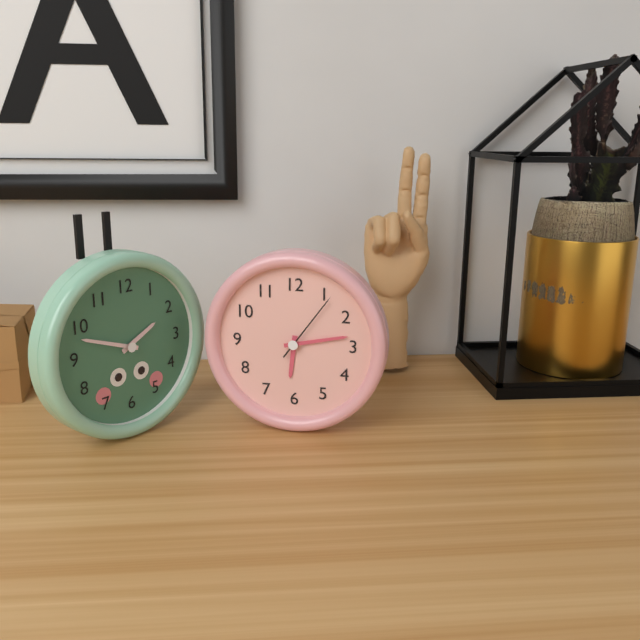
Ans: h=6 m=13 s=6
